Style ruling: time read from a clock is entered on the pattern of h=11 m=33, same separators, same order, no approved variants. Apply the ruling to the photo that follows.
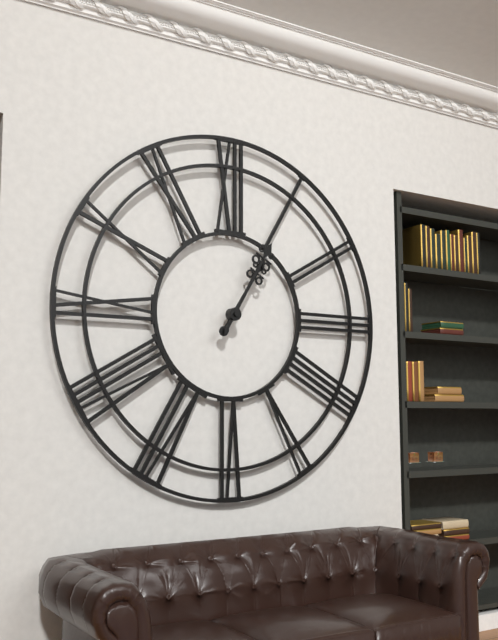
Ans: h=1 m=5
